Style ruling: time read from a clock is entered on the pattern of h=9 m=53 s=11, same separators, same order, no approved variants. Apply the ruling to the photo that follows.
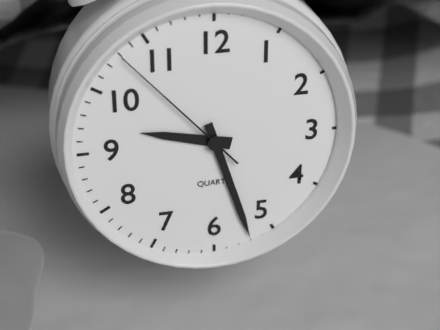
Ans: h=9 m=27 s=53
